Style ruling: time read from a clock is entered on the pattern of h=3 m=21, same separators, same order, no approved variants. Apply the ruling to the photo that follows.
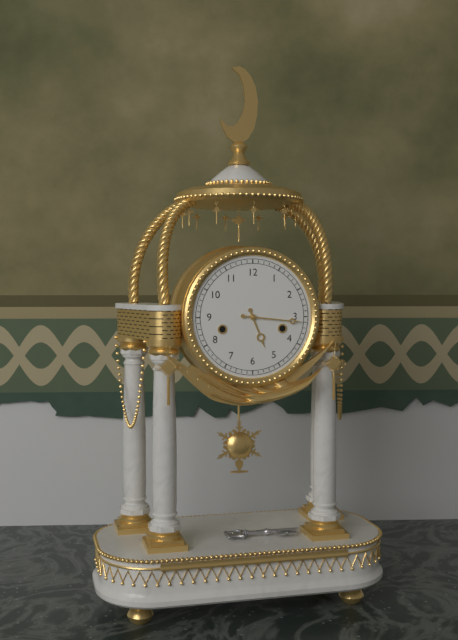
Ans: h=5 m=16
